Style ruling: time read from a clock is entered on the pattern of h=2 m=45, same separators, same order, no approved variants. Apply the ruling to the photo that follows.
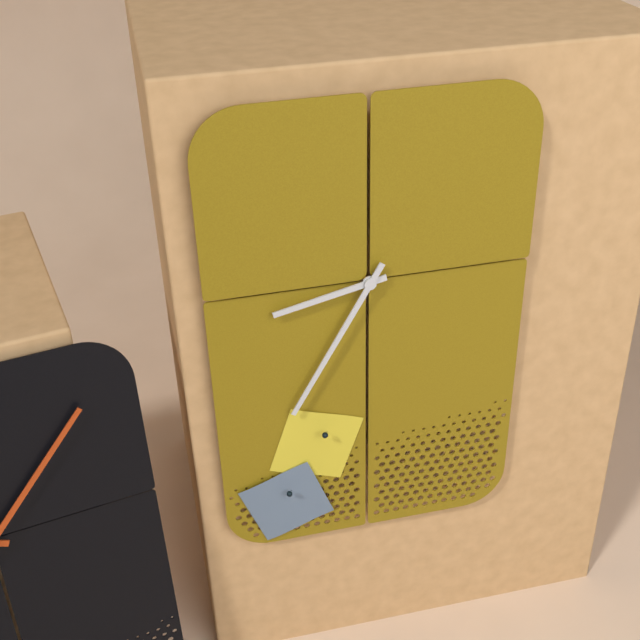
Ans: h=8 m=35
